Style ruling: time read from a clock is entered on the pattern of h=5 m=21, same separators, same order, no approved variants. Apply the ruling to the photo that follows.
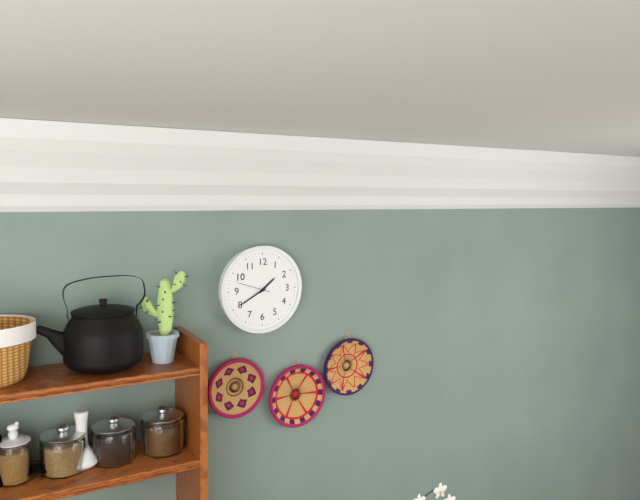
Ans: h=1 m=40
